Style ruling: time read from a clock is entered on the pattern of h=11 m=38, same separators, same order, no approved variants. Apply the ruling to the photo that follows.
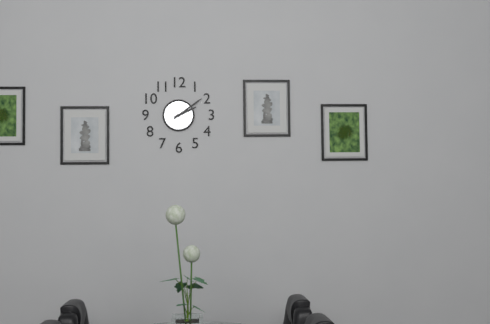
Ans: h=2 m=9
